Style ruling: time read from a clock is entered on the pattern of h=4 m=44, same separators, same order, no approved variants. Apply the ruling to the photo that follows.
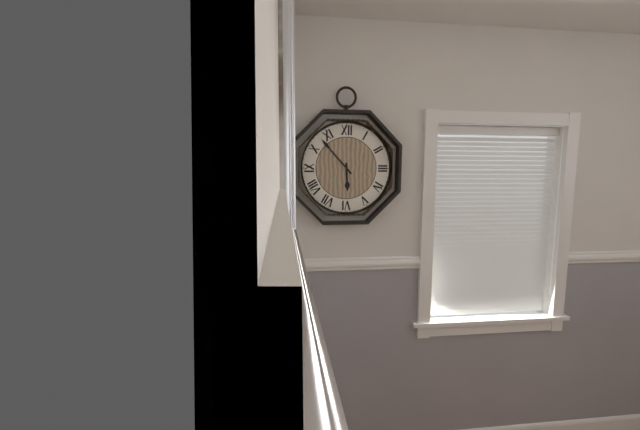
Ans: h=5 m=53
